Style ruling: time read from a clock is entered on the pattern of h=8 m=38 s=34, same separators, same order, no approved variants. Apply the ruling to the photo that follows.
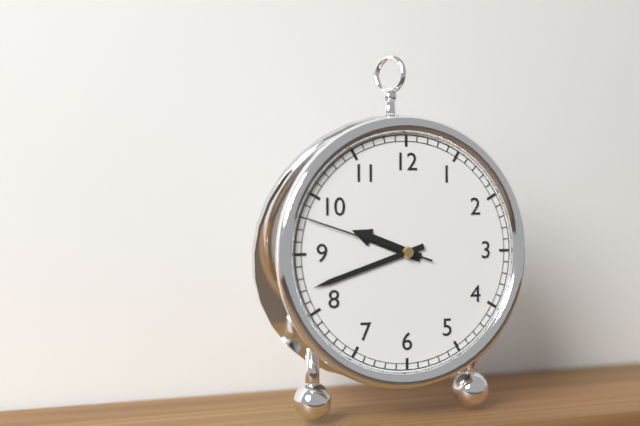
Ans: h=9 m=42 s=48
